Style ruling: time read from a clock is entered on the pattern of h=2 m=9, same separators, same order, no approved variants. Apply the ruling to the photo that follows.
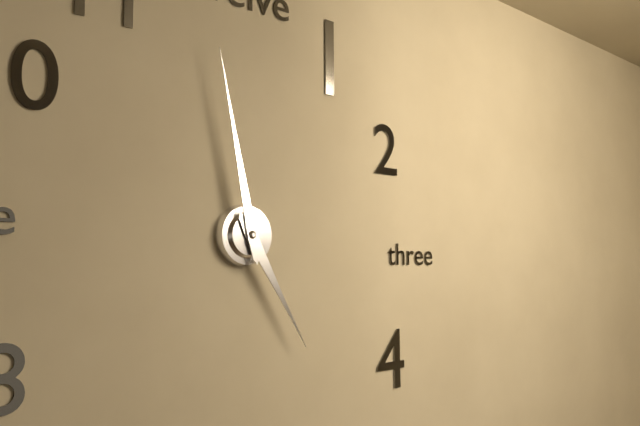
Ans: h=4 m=58
